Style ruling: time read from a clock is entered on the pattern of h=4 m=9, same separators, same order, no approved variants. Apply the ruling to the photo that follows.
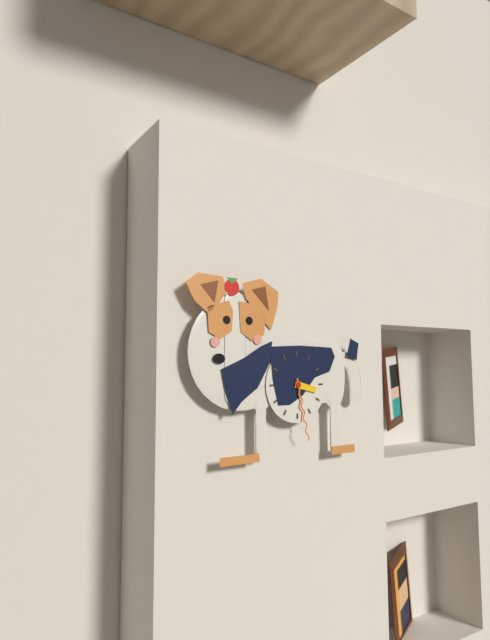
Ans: h=3 m=28
